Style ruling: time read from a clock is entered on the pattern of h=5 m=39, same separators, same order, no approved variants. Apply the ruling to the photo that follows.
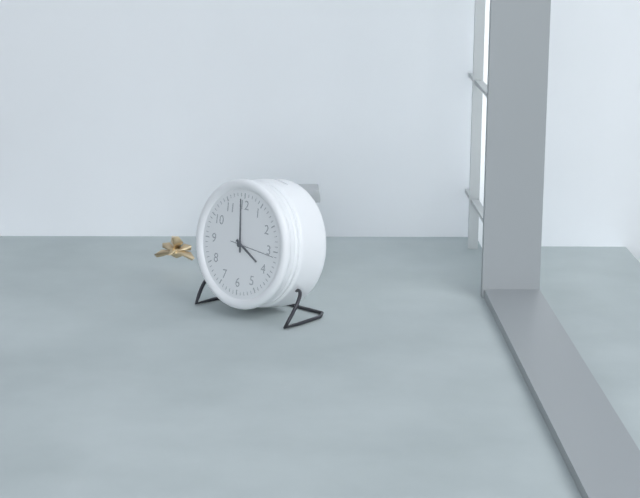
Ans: h=3 m=59
